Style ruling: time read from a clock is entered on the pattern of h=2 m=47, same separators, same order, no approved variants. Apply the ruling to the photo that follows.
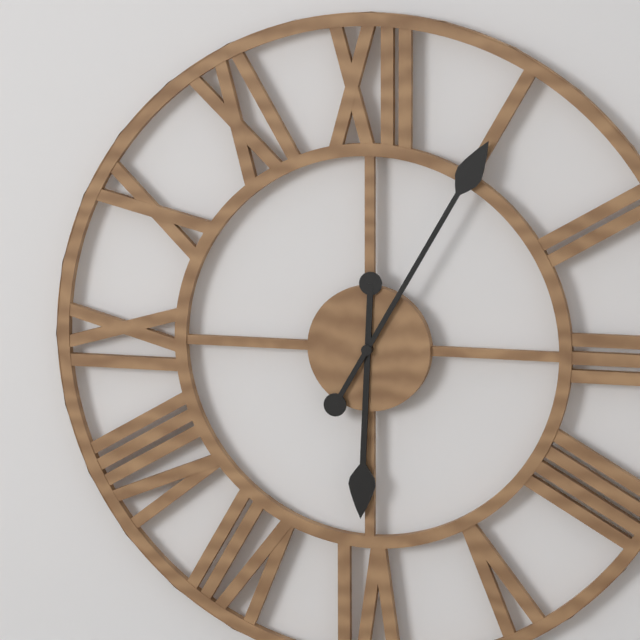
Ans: h=6 m=5
